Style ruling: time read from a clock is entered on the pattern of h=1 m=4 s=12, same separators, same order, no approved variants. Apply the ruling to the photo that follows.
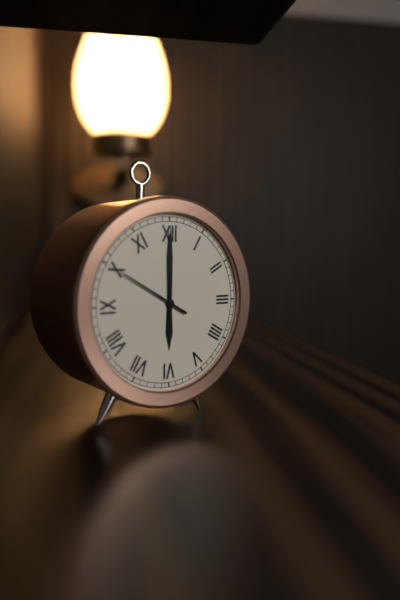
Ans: h=6 m=0 s=50
